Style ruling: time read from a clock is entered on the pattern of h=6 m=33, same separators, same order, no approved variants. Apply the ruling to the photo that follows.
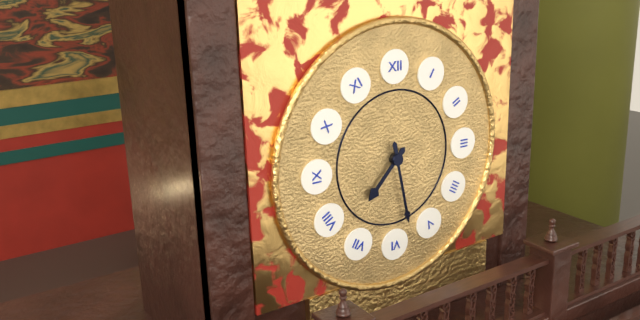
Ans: h=7 m=28
